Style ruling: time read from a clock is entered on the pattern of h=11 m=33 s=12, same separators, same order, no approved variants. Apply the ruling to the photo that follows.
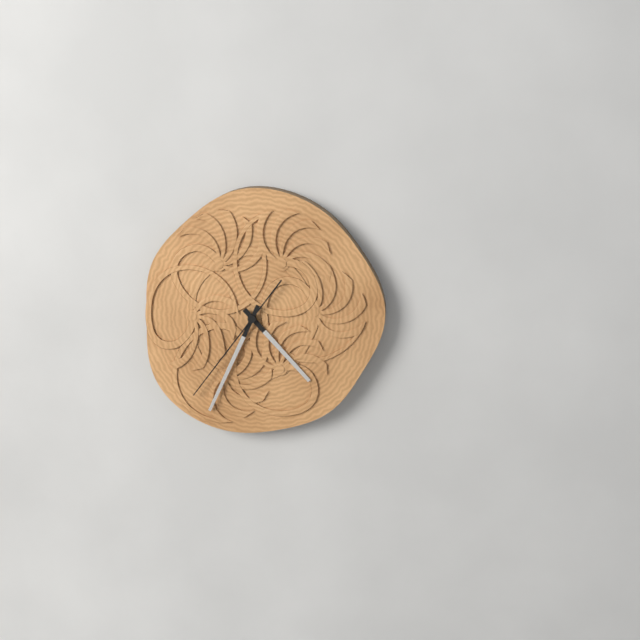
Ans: h=4 m=34 s=36
